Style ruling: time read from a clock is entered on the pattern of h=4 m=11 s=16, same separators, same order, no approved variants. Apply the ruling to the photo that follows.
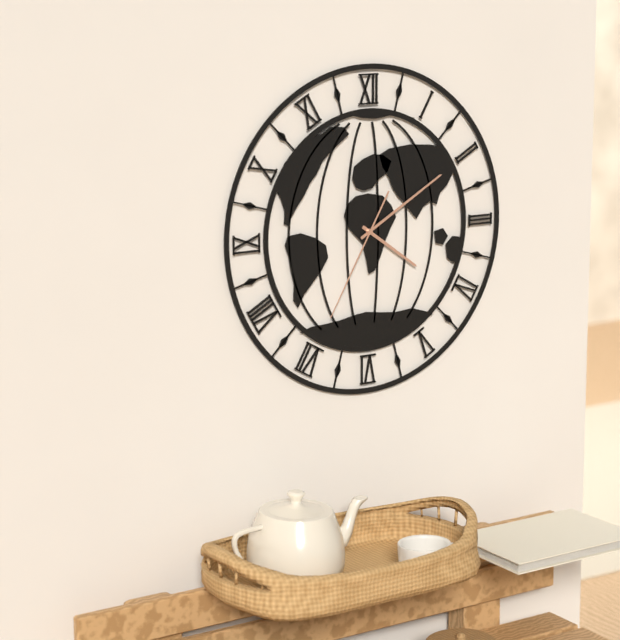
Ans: h=4 m=10 s=35
